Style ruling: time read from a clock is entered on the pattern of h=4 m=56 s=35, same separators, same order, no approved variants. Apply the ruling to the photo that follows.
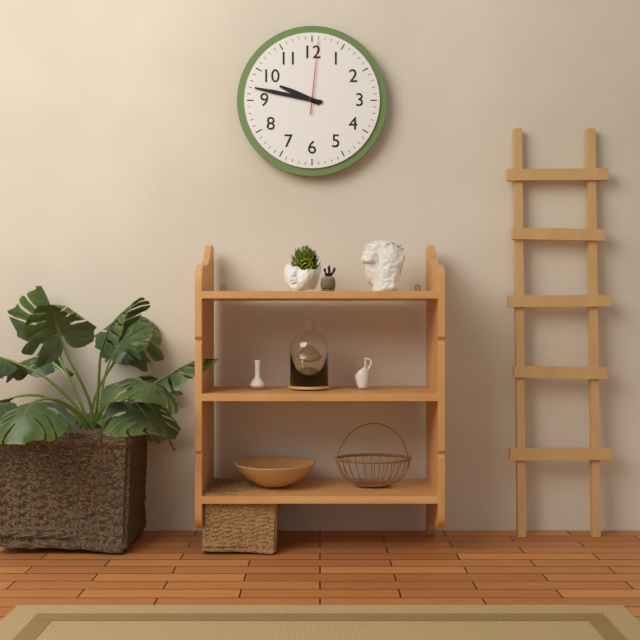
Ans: h=9 m=47 s=1
